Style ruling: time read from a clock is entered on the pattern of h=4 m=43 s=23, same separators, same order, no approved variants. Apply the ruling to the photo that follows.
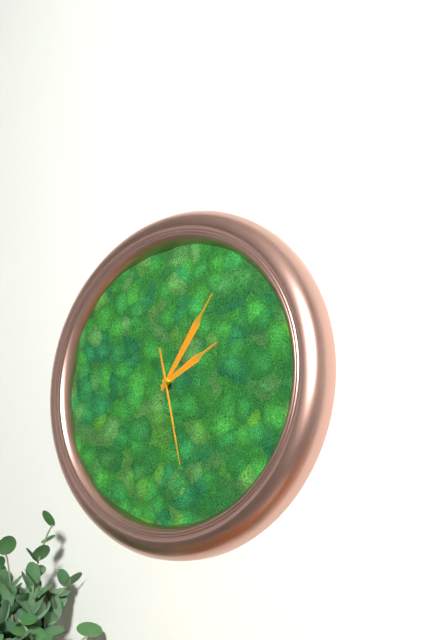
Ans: h=2 m=6 s=28
